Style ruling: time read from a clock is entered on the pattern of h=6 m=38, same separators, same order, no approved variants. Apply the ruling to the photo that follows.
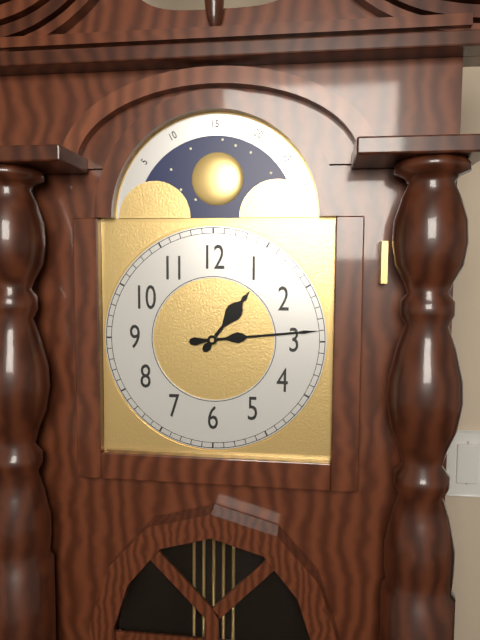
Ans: h=1 m=14
